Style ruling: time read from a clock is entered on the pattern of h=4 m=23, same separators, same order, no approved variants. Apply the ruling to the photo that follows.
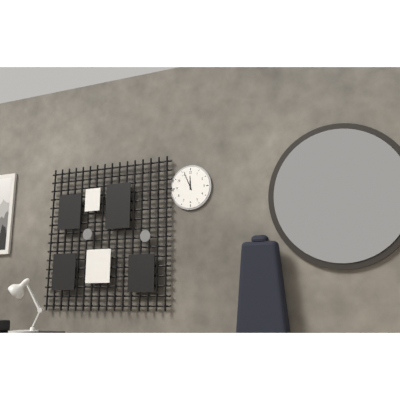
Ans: h=11 m=56
